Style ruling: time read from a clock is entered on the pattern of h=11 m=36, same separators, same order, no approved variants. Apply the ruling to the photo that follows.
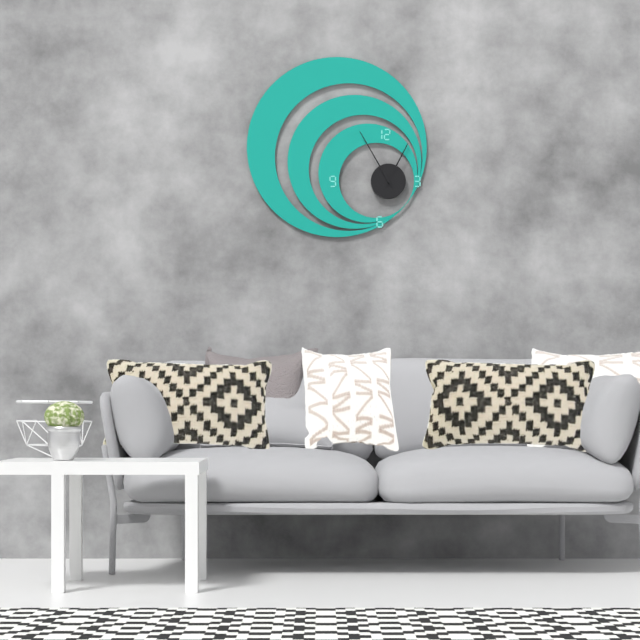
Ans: h=12 m=55
